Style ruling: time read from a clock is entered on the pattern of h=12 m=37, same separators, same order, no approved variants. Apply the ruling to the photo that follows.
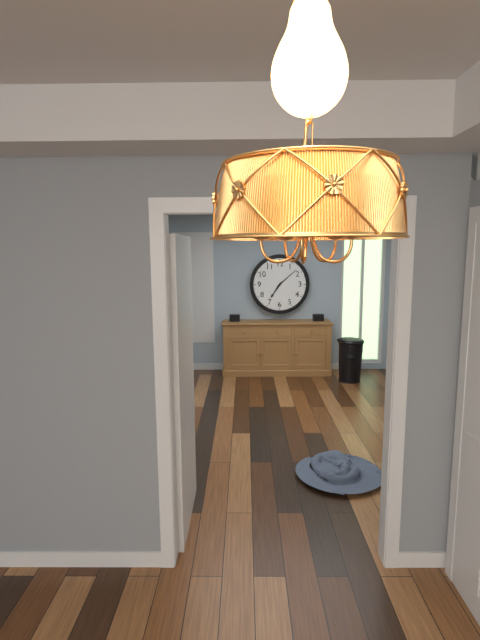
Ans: h=7 m=8
